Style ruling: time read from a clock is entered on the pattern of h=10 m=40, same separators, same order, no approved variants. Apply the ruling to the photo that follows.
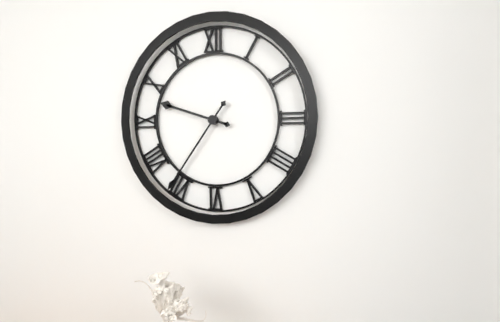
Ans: h=9 m=36
